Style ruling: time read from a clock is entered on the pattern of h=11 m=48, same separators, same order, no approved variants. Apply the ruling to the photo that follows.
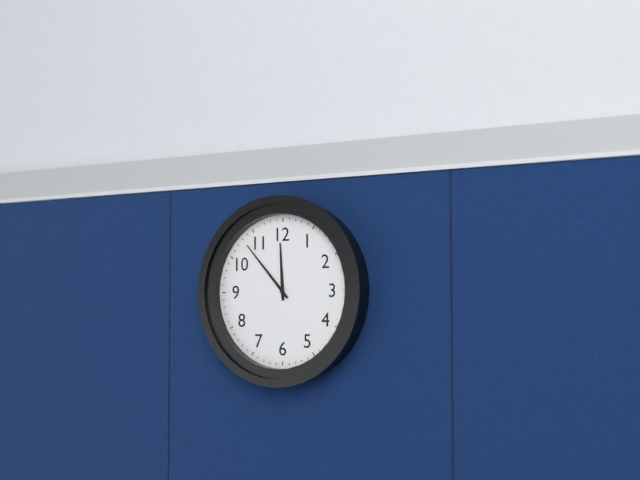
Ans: h=11 m=53
